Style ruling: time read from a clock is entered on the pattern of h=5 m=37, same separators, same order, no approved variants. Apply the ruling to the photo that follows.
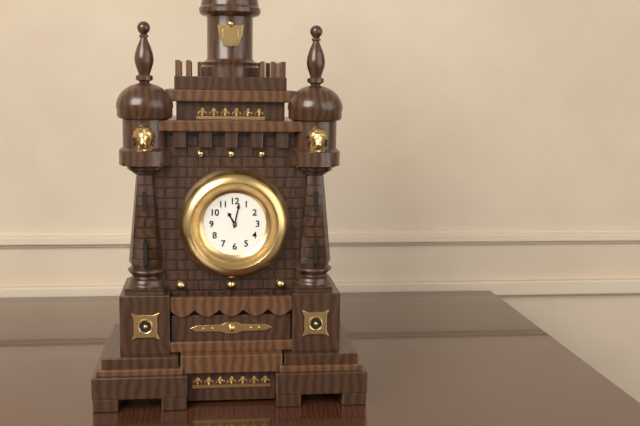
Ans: h=11 m=2
